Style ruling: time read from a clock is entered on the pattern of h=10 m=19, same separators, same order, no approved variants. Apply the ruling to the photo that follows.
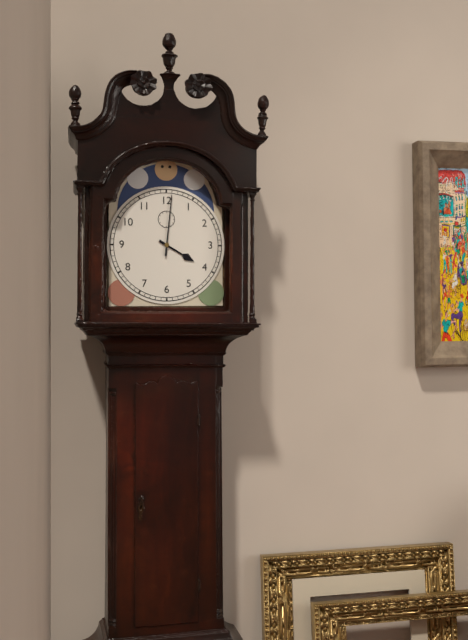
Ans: h=4 m=1
